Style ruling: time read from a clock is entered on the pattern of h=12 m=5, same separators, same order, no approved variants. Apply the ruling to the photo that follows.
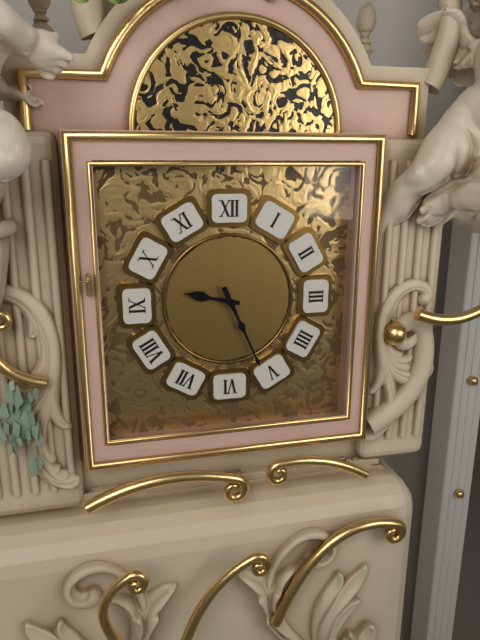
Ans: h=9 m=26
